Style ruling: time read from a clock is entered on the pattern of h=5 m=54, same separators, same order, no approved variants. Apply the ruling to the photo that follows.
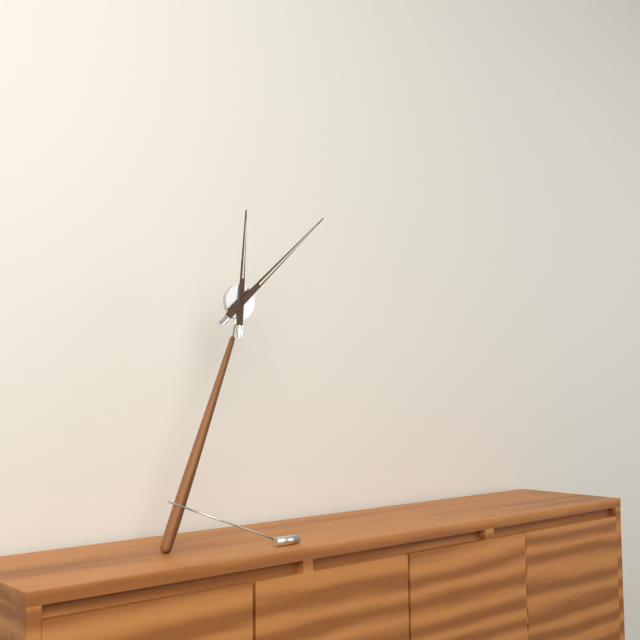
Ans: h=12 m=8
